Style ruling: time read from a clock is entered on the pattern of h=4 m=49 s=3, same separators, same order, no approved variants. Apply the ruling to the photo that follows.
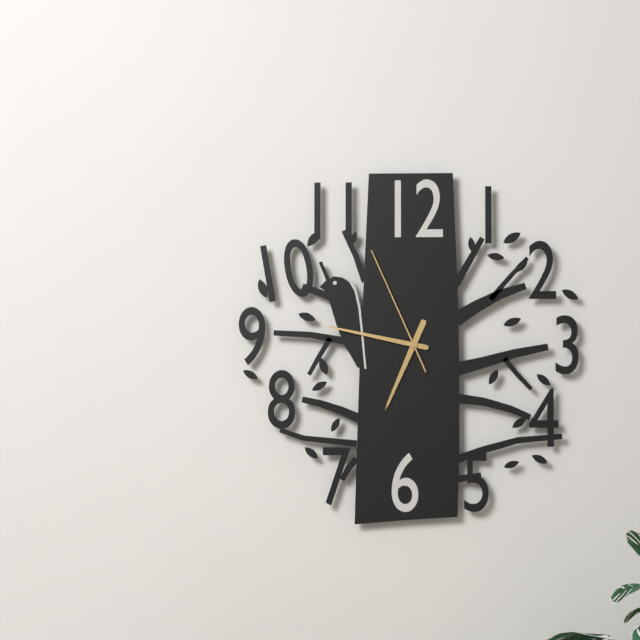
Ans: h=6 m=47 s=56
